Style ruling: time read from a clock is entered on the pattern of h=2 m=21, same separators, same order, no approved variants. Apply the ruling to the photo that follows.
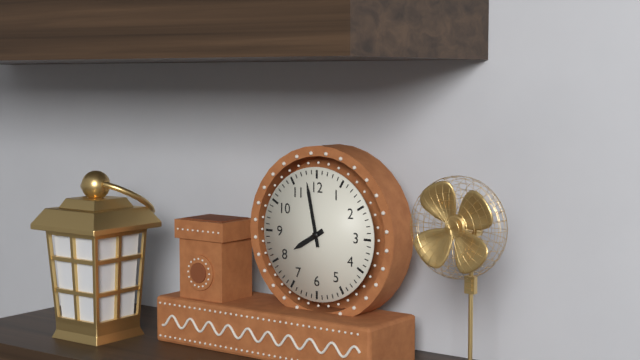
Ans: h=7 m=58
